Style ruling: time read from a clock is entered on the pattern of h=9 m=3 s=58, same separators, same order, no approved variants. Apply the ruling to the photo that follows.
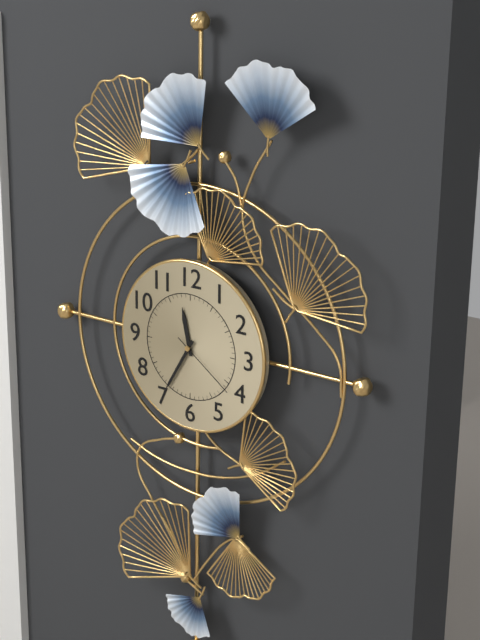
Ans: h=11 m=35 s=21
